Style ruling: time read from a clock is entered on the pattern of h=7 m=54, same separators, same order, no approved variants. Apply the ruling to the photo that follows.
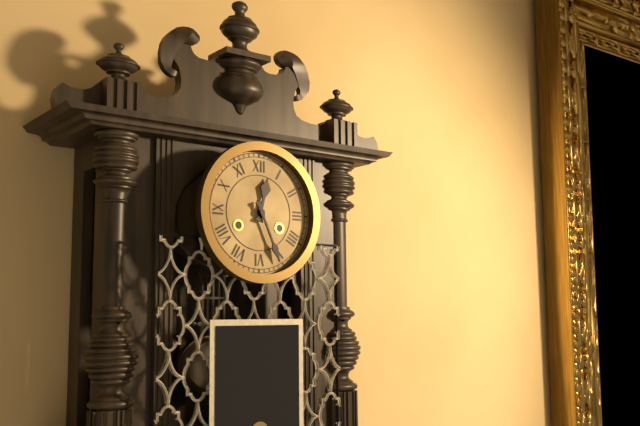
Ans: h=12 m=26
